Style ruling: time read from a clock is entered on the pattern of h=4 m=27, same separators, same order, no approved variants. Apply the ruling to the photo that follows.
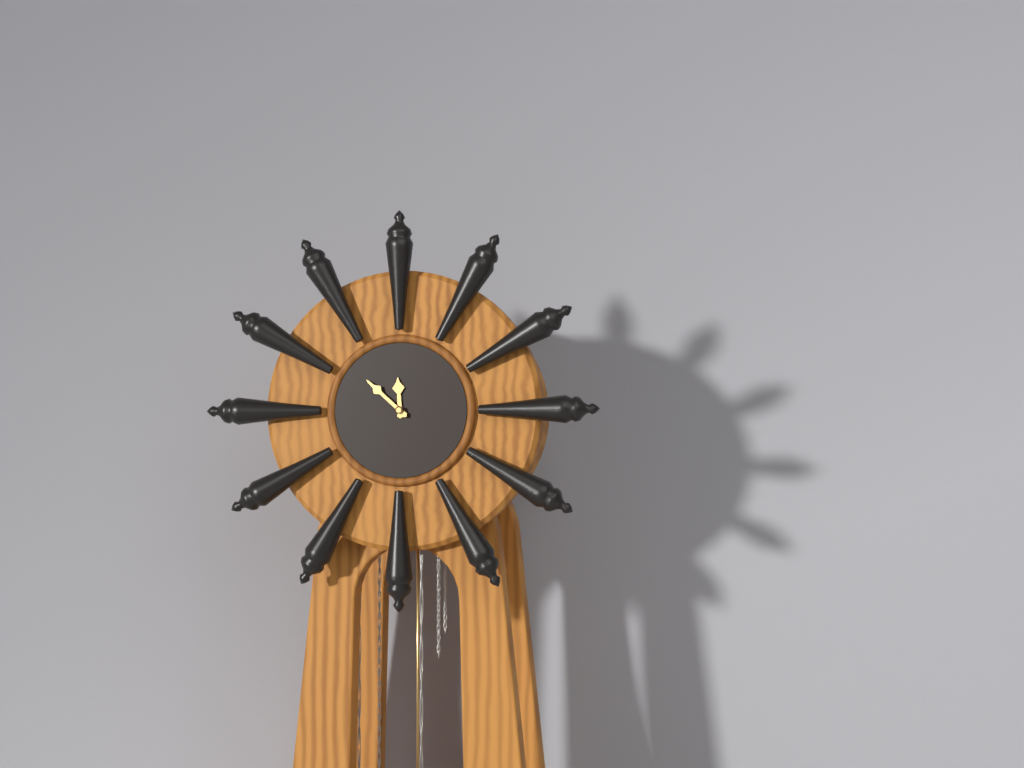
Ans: h=11 m=52
